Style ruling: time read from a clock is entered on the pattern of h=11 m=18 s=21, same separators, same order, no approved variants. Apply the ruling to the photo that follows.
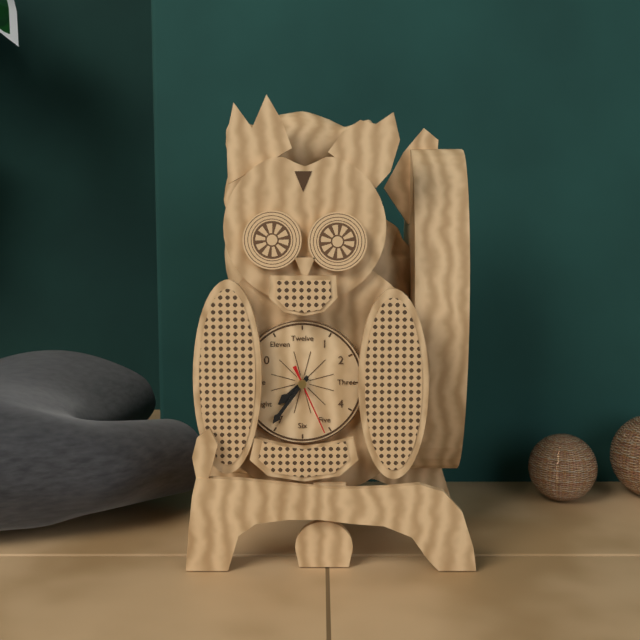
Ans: h=7 m=36 s=26
